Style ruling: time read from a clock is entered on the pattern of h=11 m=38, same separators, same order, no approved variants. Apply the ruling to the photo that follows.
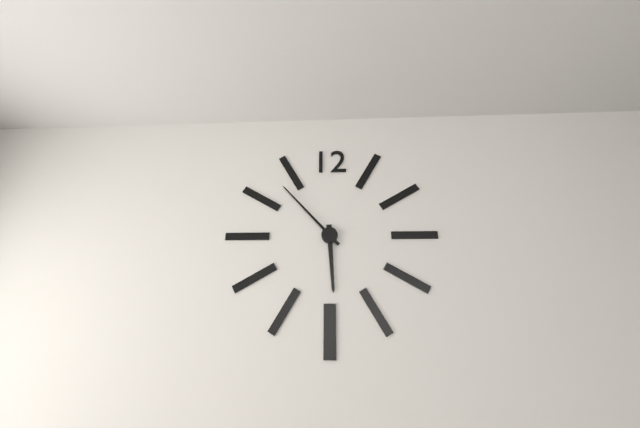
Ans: h=5 m=53
